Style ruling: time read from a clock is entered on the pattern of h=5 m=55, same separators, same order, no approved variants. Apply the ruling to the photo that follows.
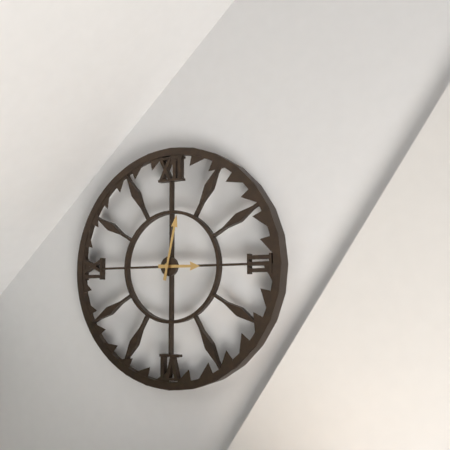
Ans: h=3 m=2
